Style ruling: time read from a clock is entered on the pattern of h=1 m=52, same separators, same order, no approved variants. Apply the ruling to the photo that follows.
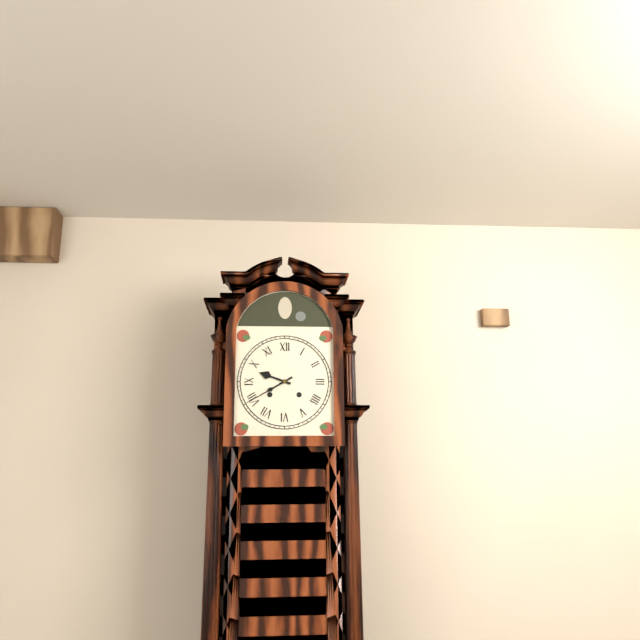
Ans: h=9 m=40
